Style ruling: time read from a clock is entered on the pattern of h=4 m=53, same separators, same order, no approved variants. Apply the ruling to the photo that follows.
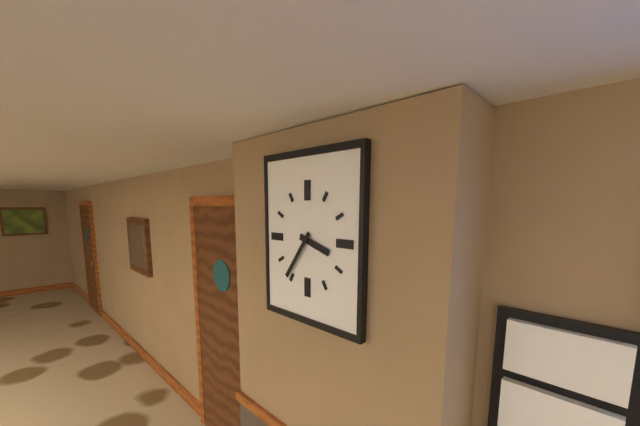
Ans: h=3 m=36
